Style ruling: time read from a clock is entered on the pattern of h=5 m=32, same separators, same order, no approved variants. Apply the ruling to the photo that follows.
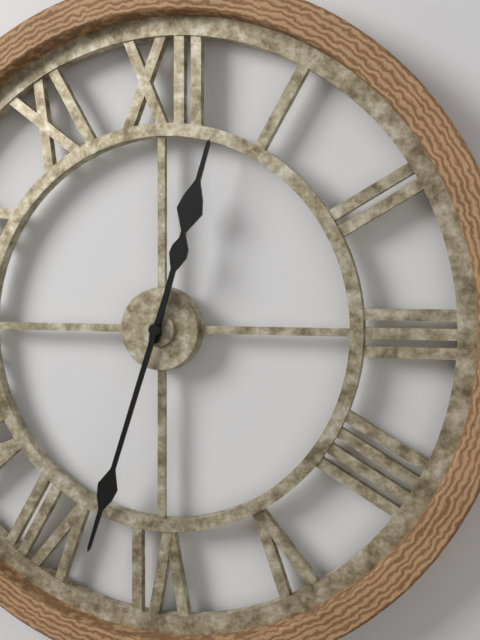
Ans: h=12 m=33
